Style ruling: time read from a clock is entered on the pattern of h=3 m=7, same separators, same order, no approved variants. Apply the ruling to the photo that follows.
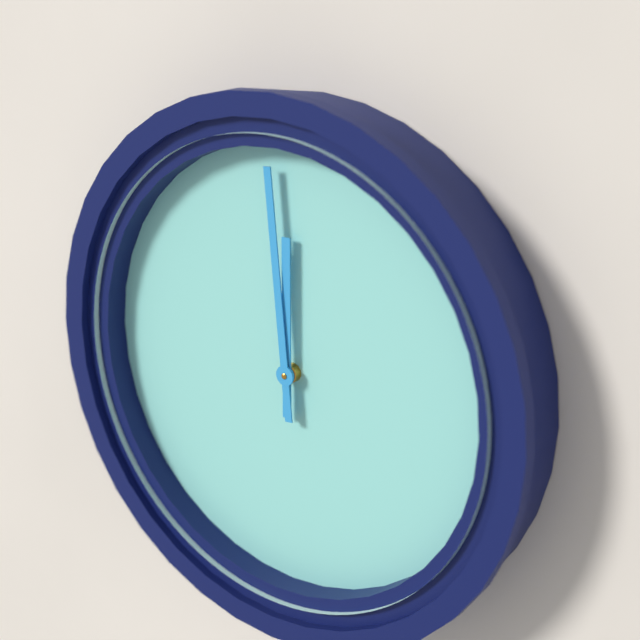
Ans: h=11 m=59
